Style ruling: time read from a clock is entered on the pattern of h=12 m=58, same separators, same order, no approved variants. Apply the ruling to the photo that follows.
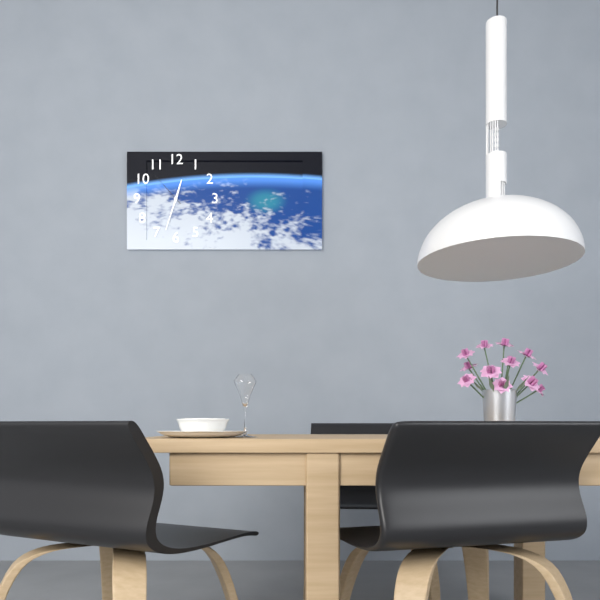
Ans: h=12 m=33
